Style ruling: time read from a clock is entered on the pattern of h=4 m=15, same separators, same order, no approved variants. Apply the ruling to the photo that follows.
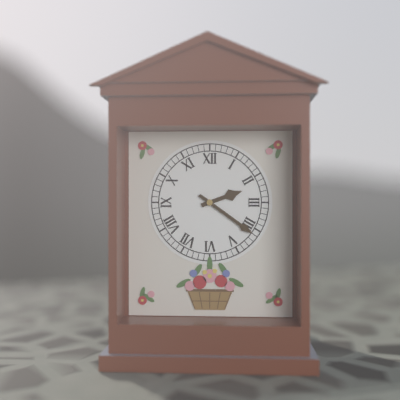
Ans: h=2 m=21
